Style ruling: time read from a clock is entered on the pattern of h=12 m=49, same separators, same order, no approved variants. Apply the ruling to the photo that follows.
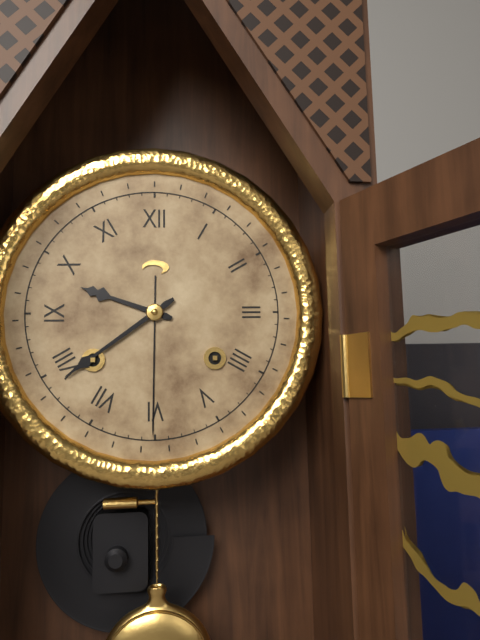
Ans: h=9 m=39
